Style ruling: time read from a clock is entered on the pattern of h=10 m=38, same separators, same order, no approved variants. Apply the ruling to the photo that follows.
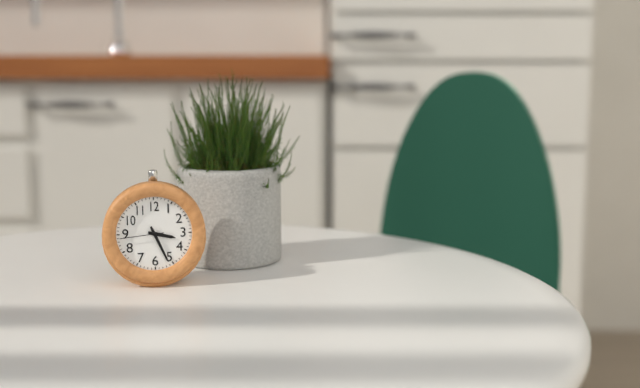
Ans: h=3 m=26
